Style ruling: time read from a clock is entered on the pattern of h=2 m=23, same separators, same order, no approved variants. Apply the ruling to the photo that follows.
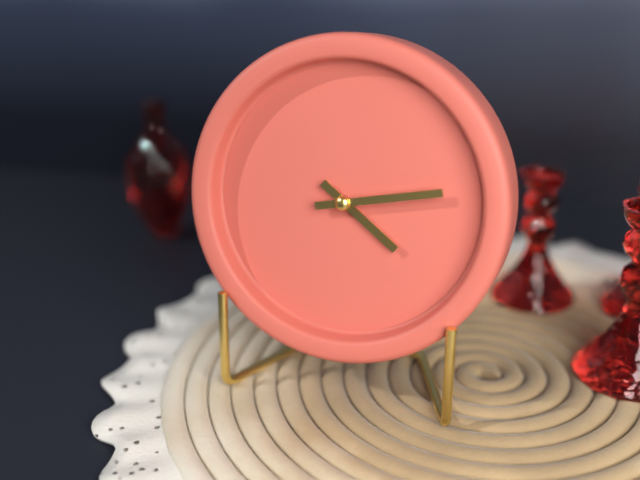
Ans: h=4 m=13
